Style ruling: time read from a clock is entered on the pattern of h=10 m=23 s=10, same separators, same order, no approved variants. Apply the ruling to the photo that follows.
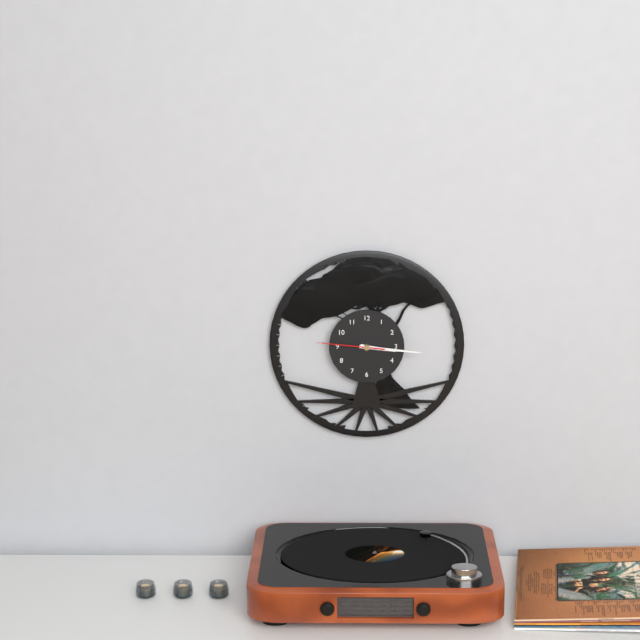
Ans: h=3 m=16 s=46
